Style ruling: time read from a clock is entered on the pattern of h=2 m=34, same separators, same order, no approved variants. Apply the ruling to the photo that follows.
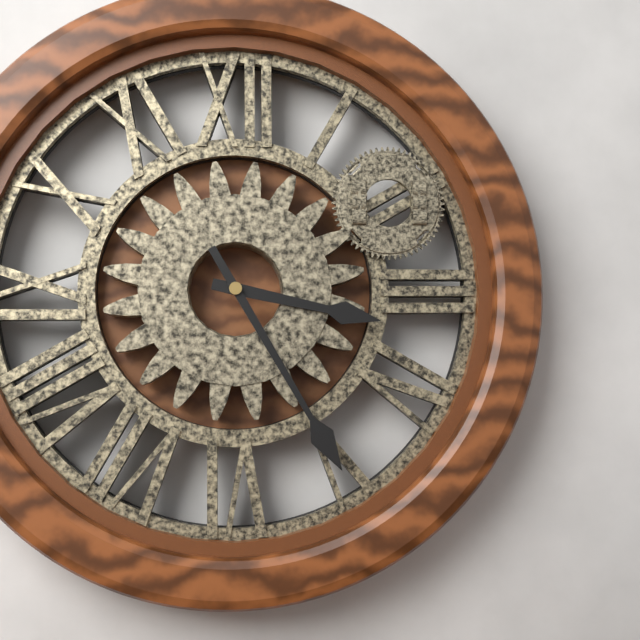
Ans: h=3 m=25
